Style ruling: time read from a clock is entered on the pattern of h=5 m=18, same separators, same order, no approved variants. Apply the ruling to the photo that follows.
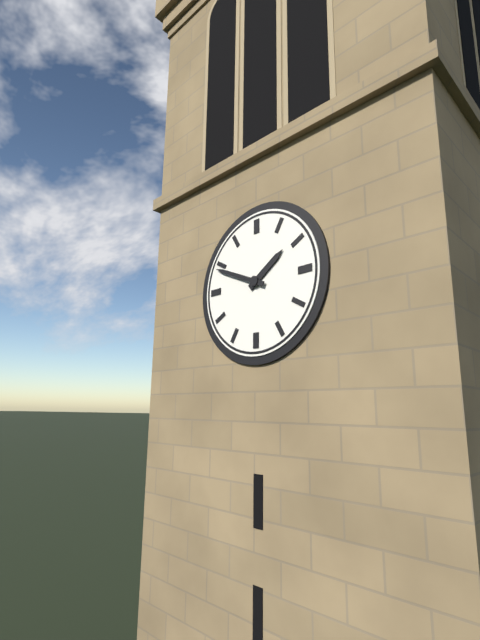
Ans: h=1 m=49
